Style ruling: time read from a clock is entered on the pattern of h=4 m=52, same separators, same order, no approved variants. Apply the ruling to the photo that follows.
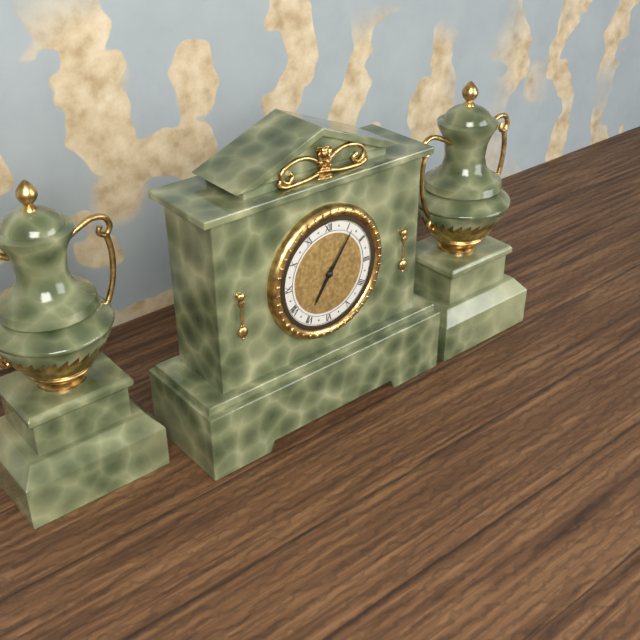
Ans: h=7 m=6
